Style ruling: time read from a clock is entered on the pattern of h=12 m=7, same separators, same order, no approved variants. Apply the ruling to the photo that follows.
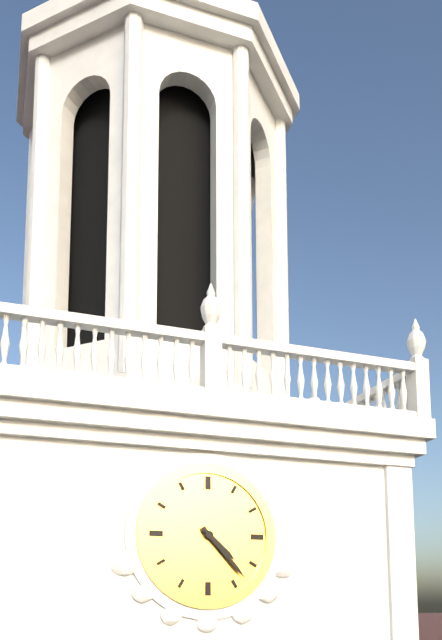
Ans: h=4 m=23
